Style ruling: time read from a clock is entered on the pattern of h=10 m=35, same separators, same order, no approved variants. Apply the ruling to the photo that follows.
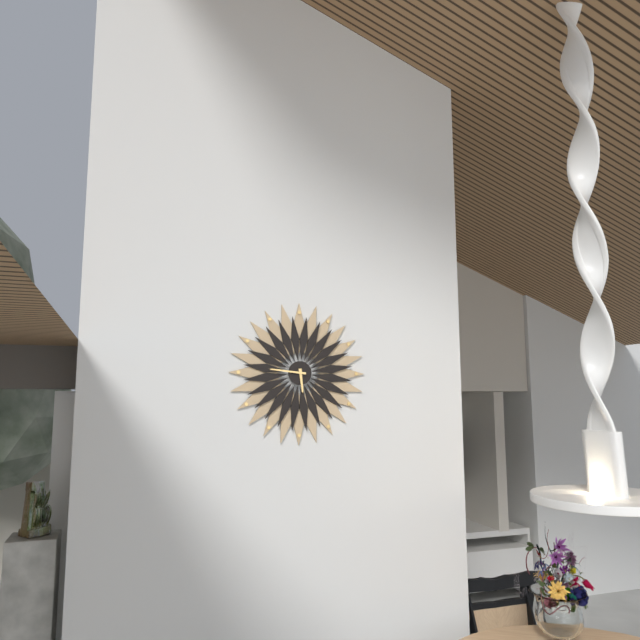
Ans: h=5 m=46
